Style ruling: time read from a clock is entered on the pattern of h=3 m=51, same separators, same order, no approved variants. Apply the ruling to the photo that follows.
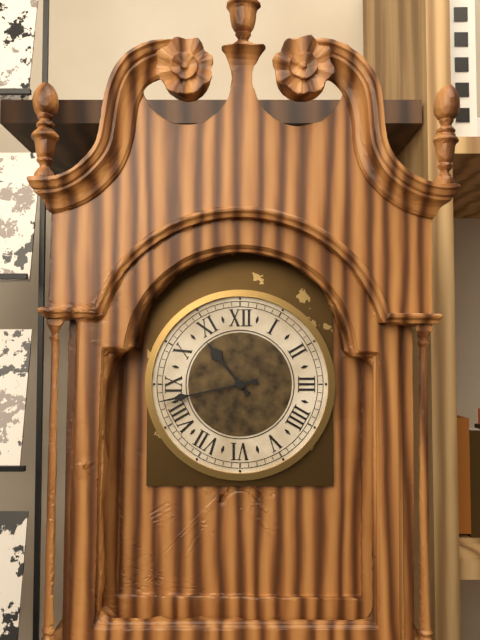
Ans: h=10 m=43
